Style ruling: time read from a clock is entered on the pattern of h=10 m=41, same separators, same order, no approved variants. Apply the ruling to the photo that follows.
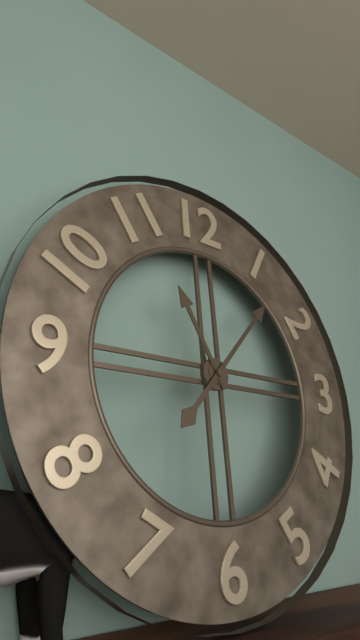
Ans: h=11 m=7
